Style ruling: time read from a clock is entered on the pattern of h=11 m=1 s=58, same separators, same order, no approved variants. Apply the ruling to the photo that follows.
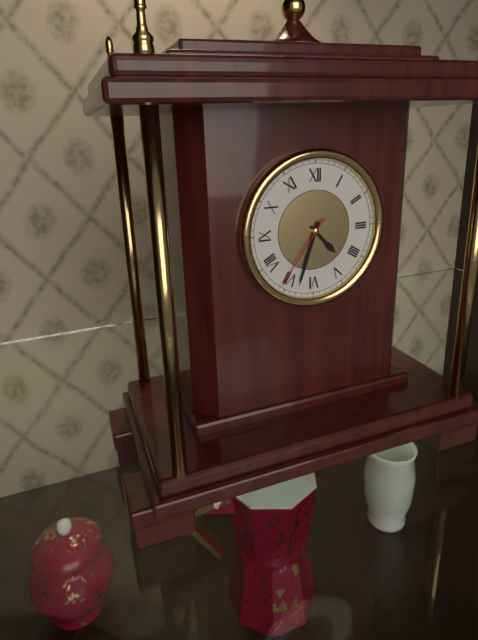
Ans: h=4 m=33 s=36
